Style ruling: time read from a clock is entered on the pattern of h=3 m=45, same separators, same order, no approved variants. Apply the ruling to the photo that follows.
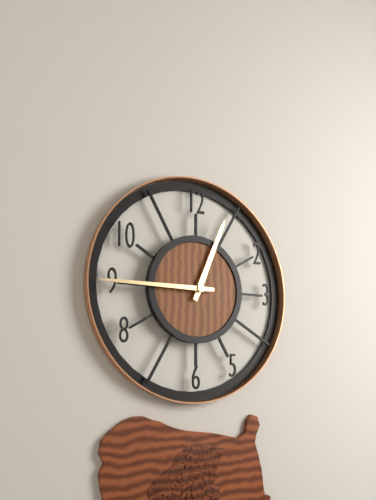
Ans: h=12 m=45
